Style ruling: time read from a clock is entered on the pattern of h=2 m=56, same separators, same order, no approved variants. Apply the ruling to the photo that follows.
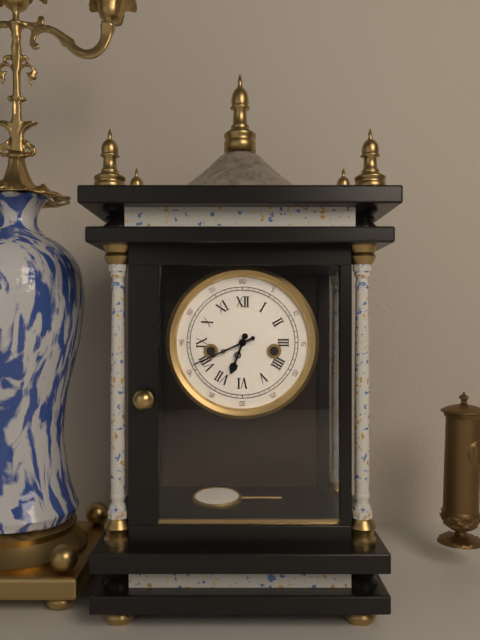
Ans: h=6 m=41
